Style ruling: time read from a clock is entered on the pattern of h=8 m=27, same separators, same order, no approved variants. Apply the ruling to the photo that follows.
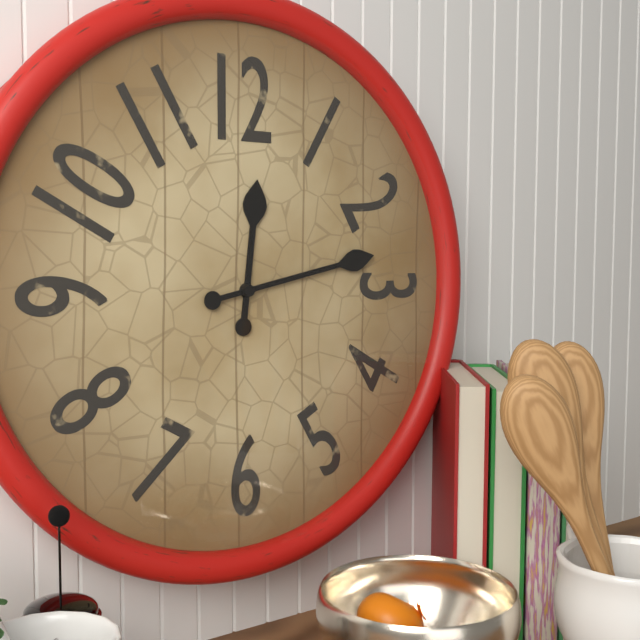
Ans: h=12 m=13
